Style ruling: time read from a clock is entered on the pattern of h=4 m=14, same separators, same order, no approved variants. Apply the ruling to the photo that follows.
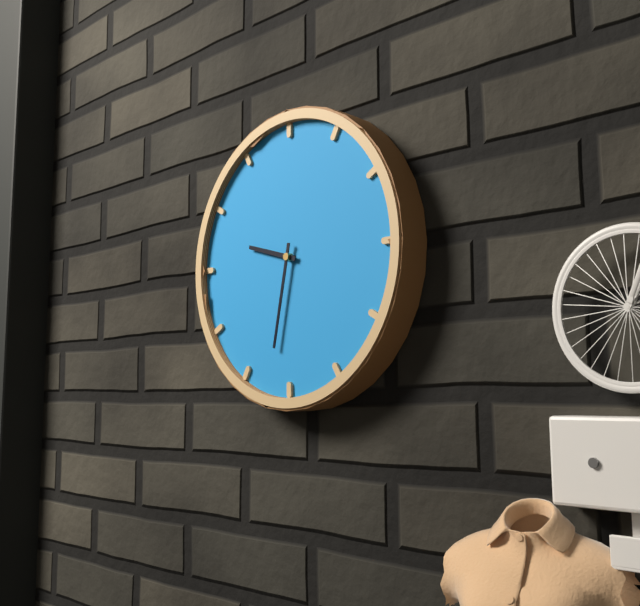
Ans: h=9 m=32
